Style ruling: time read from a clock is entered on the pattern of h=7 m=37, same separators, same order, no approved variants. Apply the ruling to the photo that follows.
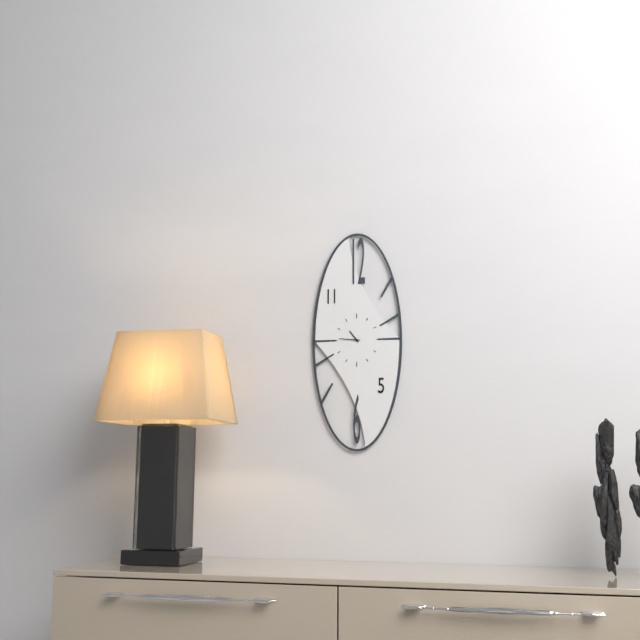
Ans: h=10 m=46
